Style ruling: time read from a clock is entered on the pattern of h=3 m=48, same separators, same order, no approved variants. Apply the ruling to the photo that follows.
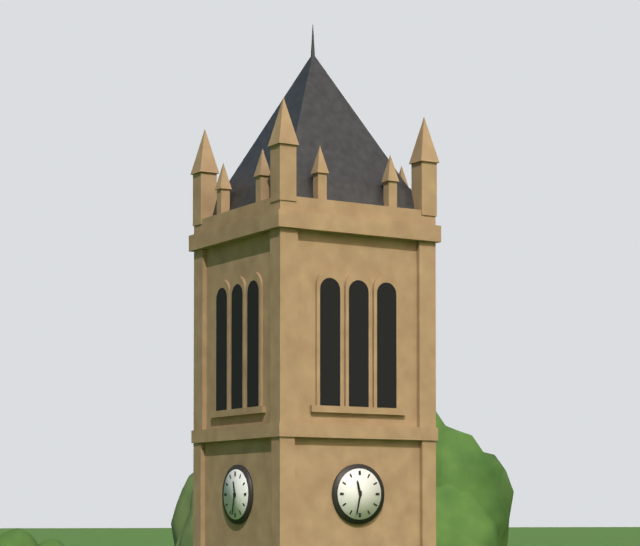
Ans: h=11 m=32
